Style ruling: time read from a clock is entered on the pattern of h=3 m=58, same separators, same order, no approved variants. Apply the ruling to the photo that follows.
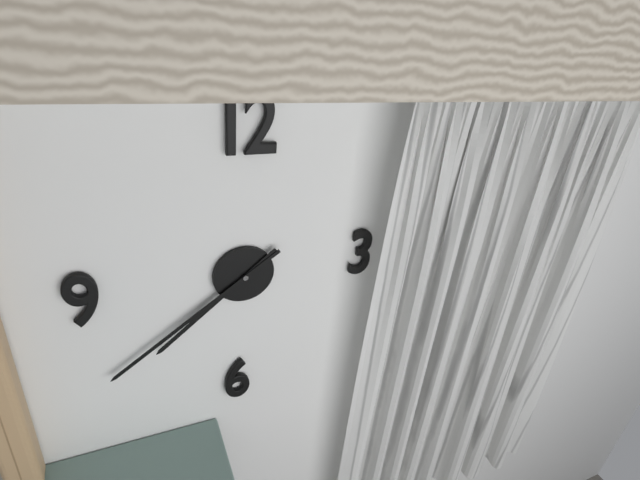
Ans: h=7 m=39
